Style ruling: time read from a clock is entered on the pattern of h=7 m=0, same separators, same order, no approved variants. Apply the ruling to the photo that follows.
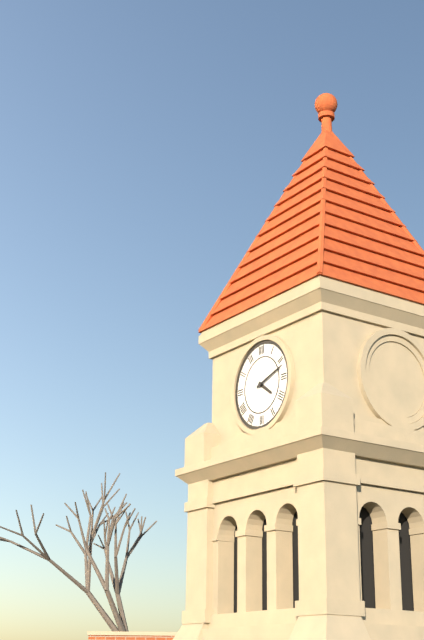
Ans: h=4 m=12
